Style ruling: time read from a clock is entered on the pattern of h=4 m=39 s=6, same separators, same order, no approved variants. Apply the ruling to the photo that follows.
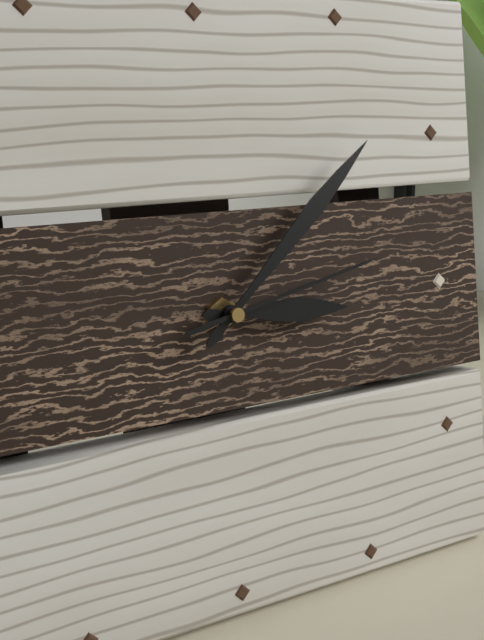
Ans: h=3 m=8 s=13
